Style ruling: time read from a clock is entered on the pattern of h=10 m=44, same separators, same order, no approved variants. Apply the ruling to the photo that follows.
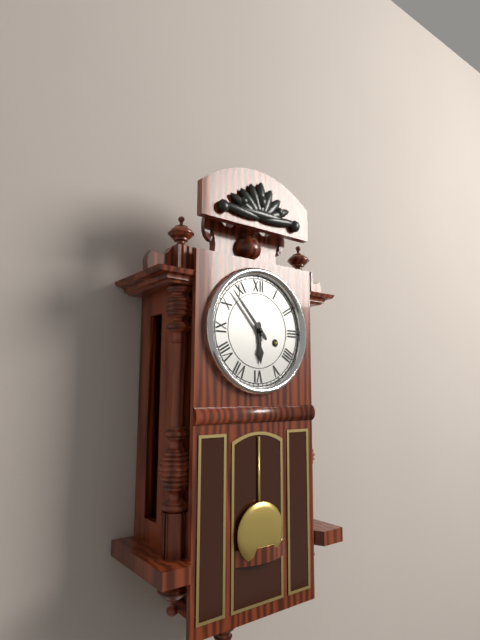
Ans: h=5 m=53
